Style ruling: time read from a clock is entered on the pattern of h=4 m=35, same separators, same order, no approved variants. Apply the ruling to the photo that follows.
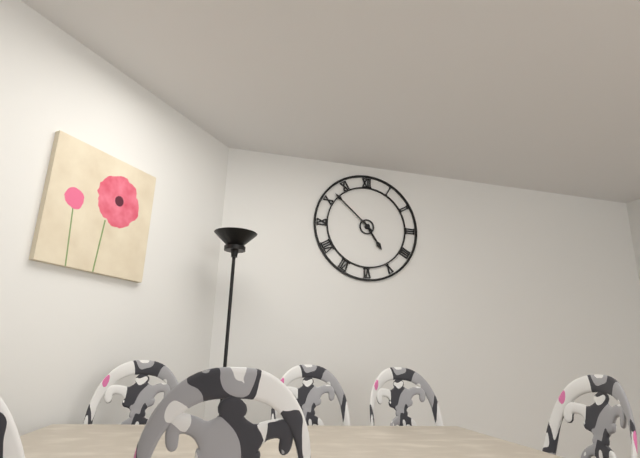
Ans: h=4 m=52
